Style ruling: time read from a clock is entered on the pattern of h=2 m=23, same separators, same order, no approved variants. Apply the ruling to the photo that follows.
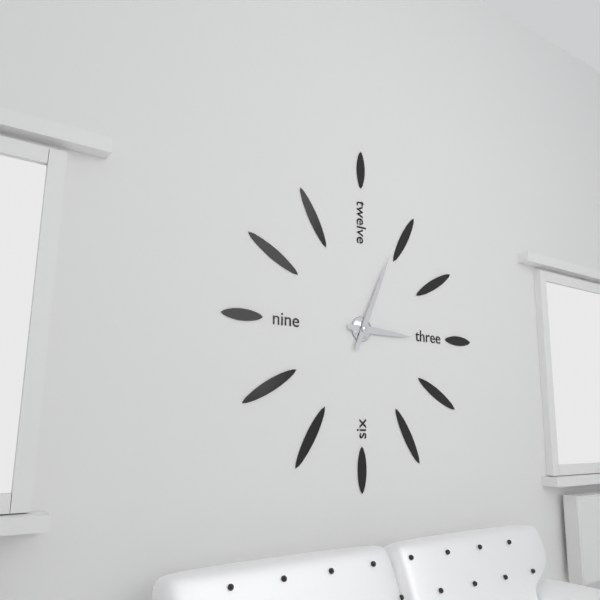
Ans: h=3 m=4
